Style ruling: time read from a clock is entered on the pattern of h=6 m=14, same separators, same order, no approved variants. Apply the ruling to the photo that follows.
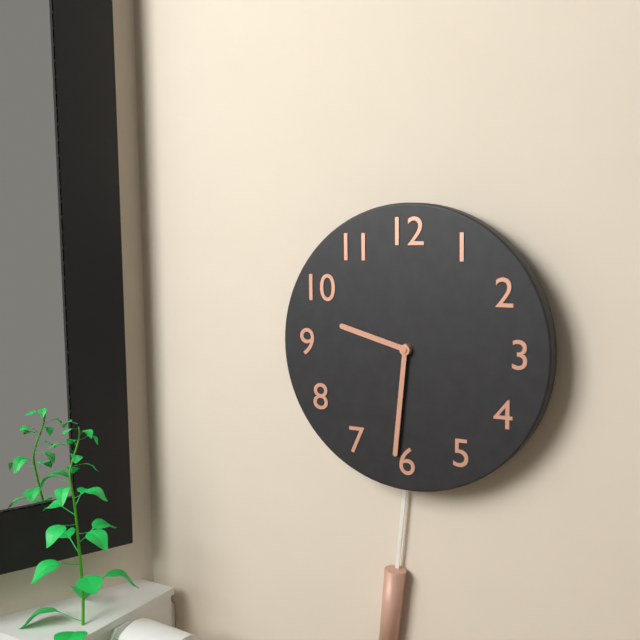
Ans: h=9 m=31
